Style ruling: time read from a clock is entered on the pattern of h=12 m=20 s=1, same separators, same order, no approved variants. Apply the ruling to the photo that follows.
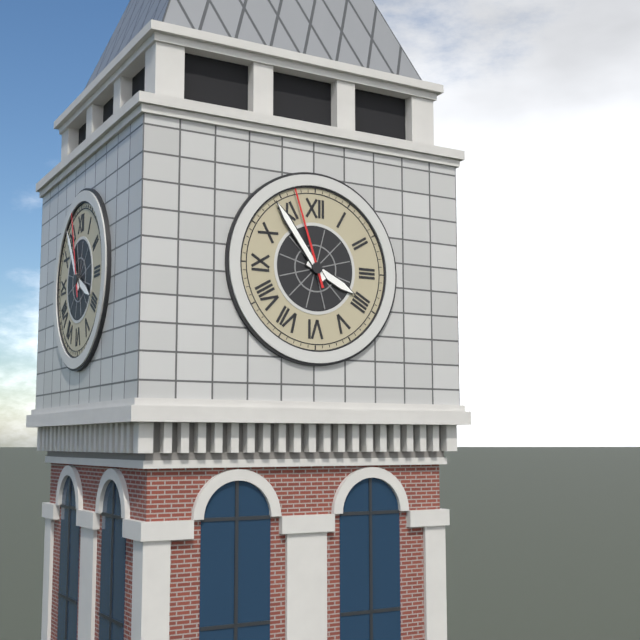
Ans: h=3 m=54 s=57
